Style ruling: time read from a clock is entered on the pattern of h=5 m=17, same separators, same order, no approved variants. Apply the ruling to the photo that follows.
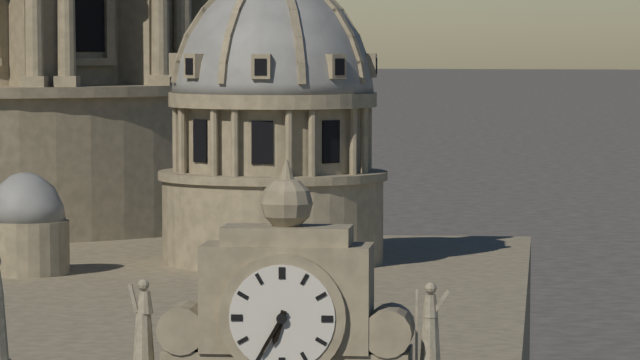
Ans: h=6 m=35
